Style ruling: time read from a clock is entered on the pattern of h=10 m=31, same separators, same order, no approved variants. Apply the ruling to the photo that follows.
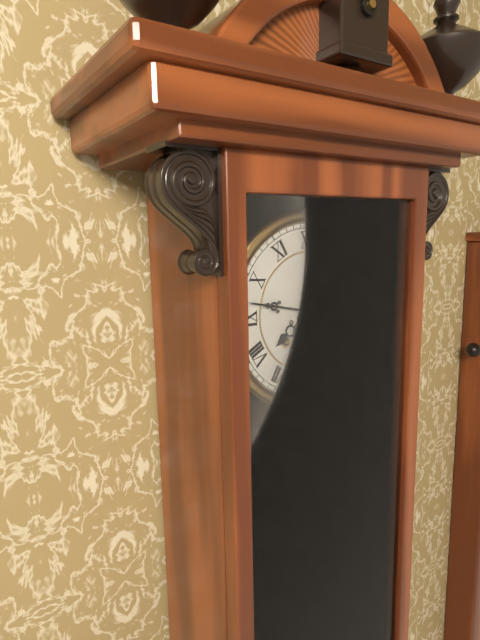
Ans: h=7 m=47
